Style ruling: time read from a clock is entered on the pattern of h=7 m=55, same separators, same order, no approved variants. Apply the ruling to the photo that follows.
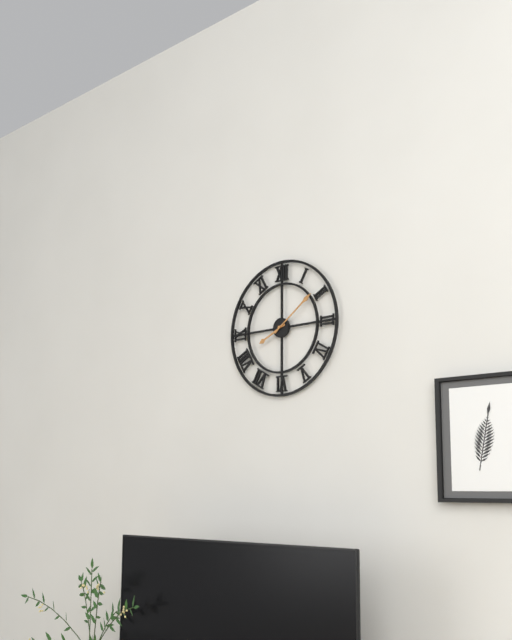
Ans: h=8 m=9
